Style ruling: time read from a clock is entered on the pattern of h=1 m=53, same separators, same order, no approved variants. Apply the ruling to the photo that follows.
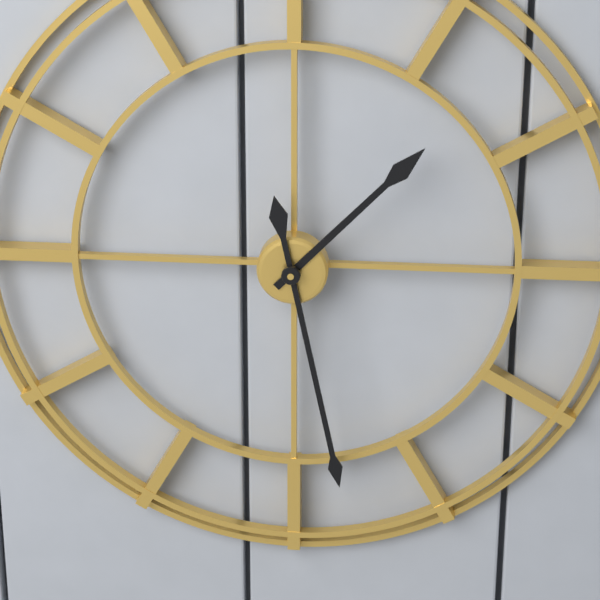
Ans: h=1 m=28
